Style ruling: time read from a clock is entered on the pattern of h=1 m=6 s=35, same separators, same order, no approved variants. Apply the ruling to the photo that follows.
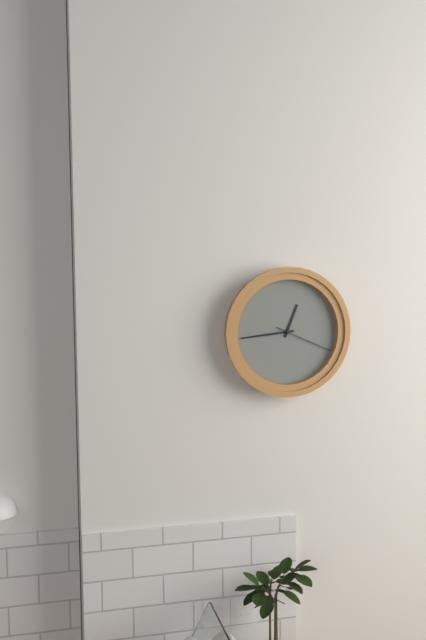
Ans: h=12 m=44 s=19
